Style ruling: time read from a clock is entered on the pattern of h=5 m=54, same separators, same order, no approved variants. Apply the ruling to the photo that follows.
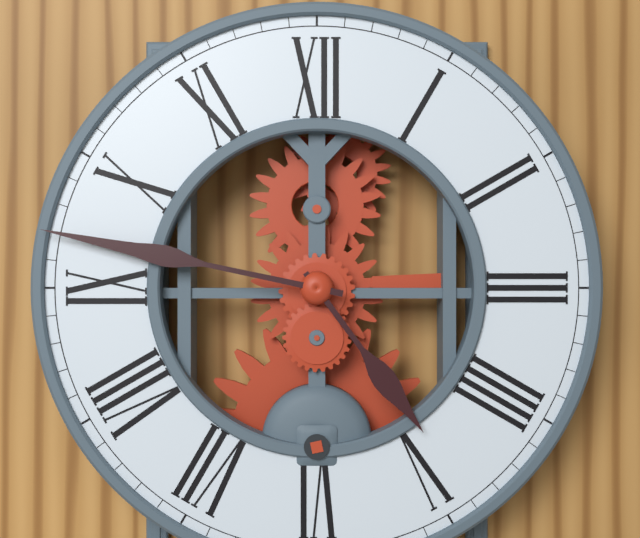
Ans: h=4 m=47
